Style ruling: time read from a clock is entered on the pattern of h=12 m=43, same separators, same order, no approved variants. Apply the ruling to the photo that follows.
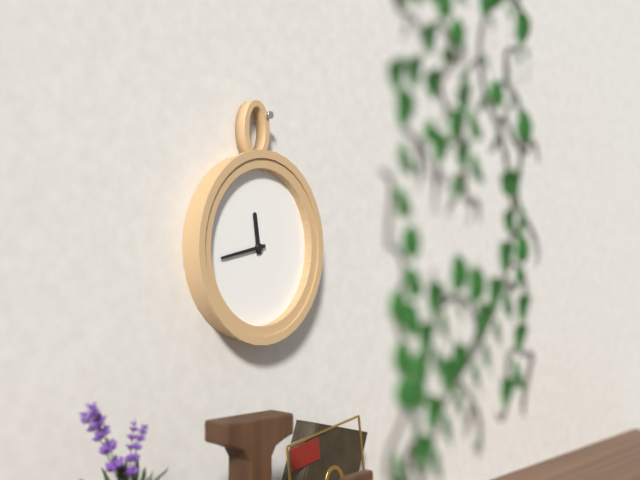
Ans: h=11 m=43
